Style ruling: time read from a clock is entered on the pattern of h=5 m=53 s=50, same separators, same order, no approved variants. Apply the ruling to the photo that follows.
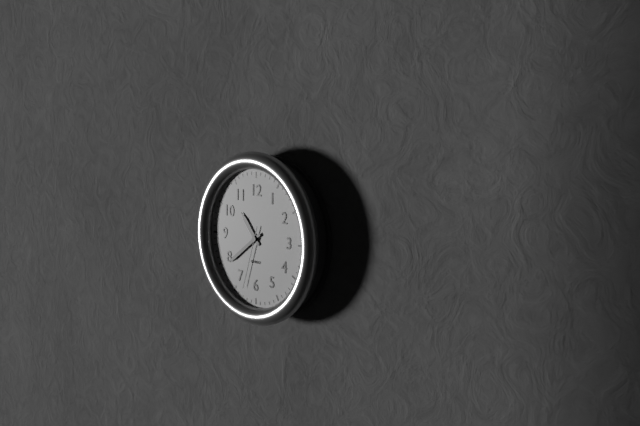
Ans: h=10 m=39 s=33
